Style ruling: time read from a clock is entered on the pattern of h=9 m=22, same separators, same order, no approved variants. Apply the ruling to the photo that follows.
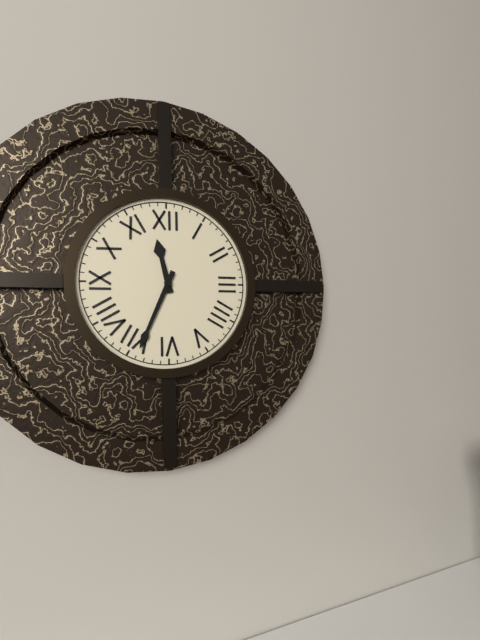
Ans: h=11 m=34
